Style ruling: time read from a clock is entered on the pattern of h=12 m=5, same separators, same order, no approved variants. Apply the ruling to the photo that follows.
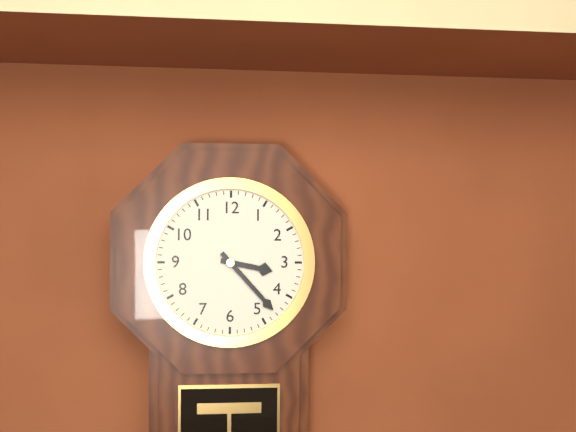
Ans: h=3 m=23
